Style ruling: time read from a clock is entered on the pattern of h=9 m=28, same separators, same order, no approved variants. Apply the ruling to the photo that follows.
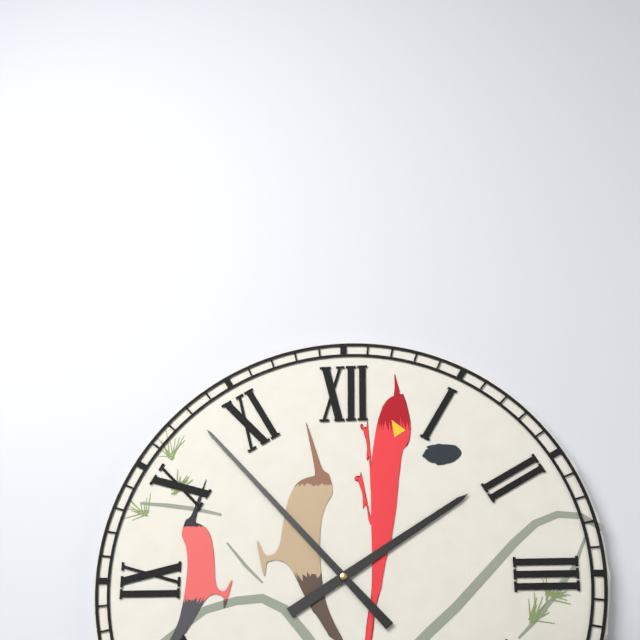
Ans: h=1 m=53
